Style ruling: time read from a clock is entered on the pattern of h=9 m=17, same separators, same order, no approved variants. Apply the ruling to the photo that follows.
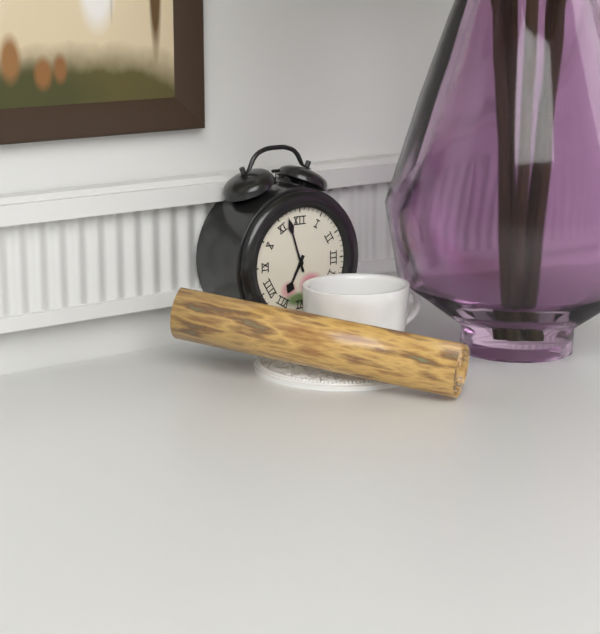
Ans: h=6 m=57
